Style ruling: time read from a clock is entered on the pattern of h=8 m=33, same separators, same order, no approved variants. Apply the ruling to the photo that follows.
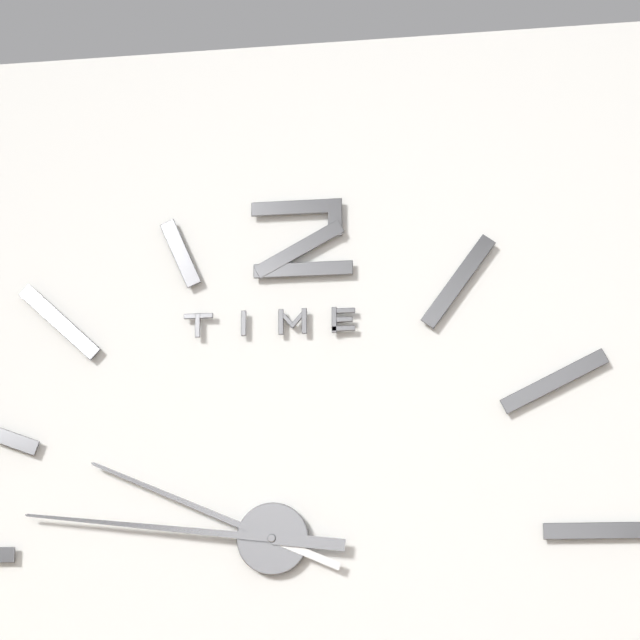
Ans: h=9 m=46
